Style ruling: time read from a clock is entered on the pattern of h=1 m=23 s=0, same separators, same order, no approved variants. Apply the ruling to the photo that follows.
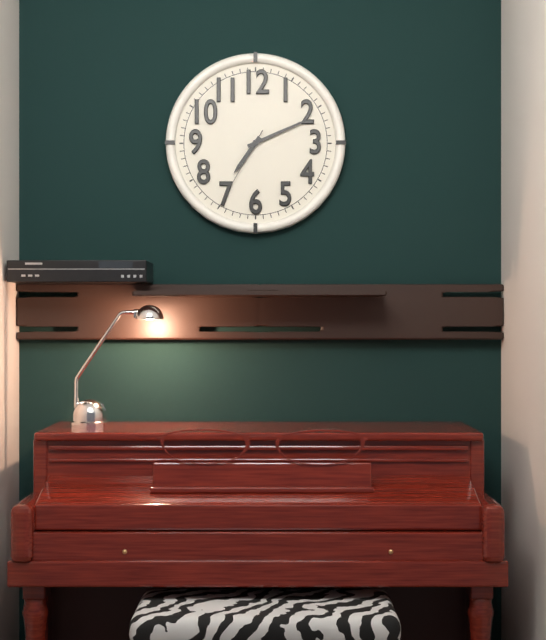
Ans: h=7 m=11 s=35
